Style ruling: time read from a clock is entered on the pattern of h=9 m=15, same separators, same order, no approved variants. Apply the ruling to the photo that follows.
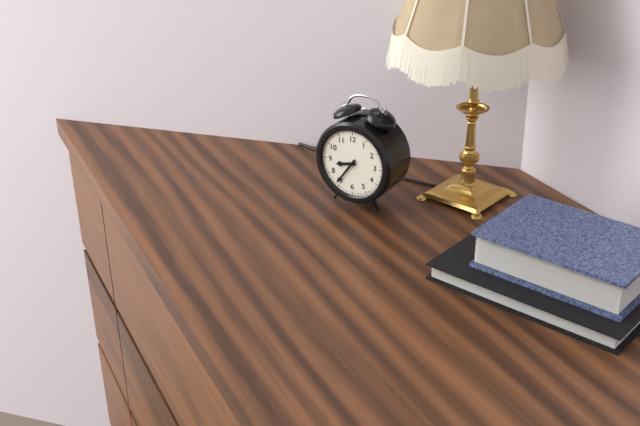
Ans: h=8 m=36
